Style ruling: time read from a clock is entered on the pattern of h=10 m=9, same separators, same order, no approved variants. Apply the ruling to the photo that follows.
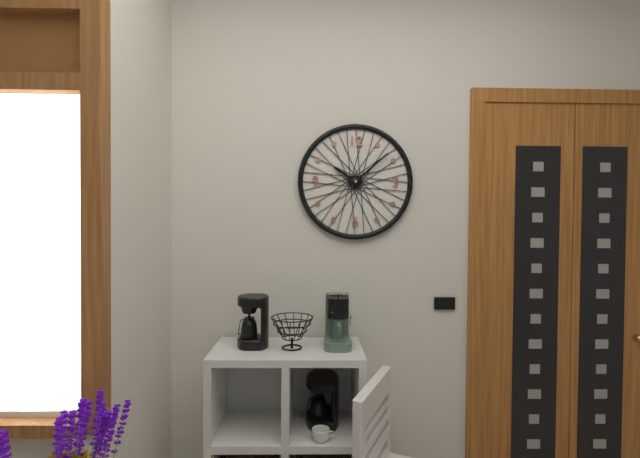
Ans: h=10 m=8
